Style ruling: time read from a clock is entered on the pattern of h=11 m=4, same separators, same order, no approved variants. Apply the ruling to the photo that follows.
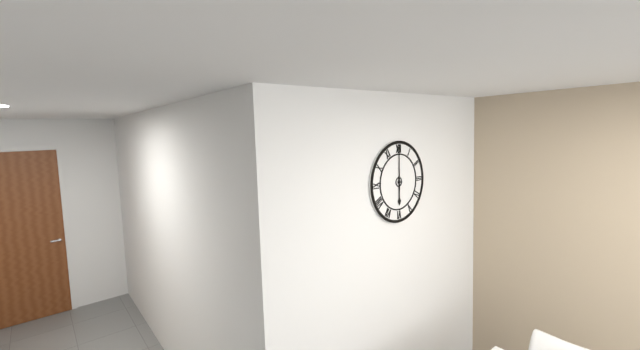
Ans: h=6 m=0
